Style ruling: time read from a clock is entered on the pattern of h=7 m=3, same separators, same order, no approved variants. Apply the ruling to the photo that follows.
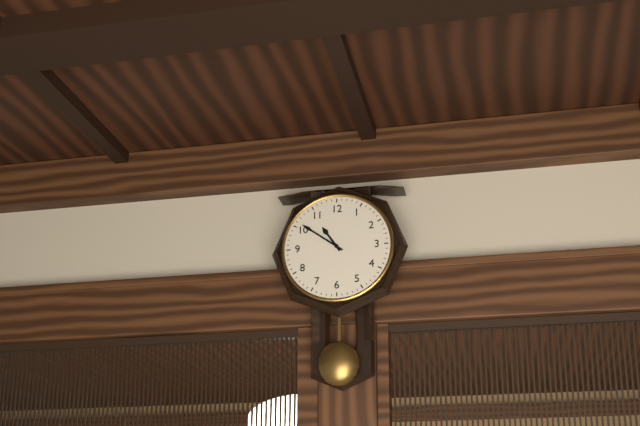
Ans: h=10 m=51
